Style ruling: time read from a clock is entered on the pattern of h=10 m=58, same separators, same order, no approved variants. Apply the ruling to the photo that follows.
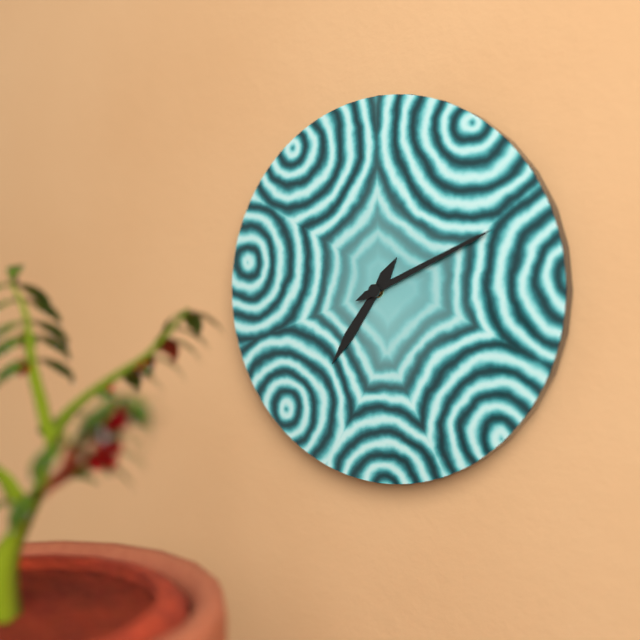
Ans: h=7 m=11
